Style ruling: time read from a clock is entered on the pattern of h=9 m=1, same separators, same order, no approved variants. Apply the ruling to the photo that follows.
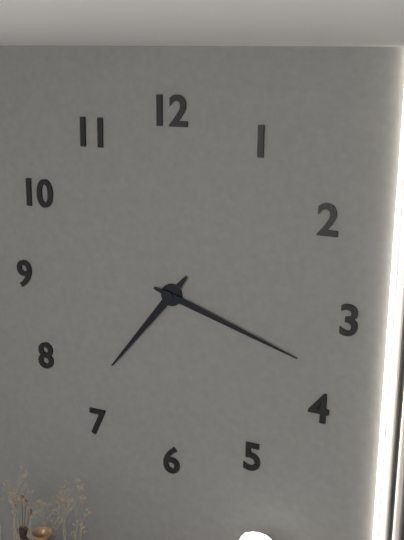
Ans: h=7 m=18
